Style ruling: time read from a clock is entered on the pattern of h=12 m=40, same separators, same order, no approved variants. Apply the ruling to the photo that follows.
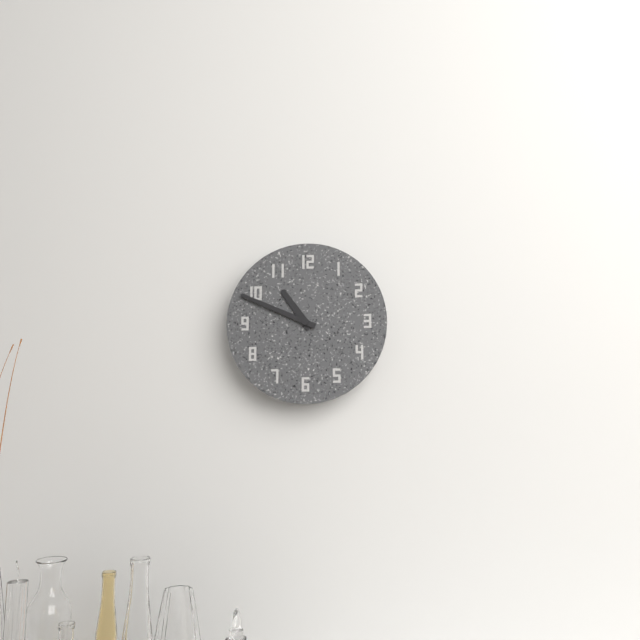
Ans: h=10 m=49
